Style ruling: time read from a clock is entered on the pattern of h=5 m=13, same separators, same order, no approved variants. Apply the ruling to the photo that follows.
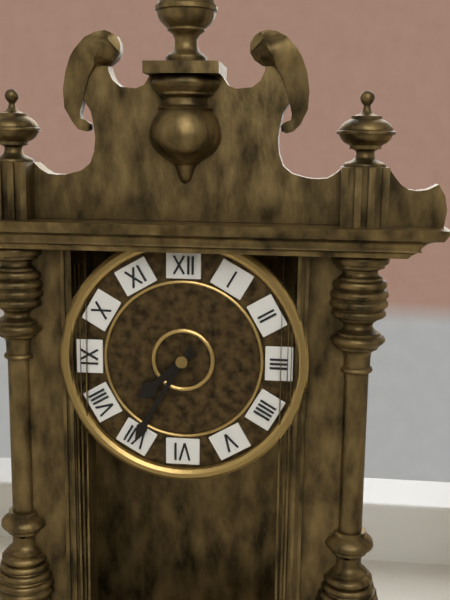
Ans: h=7 m=35
